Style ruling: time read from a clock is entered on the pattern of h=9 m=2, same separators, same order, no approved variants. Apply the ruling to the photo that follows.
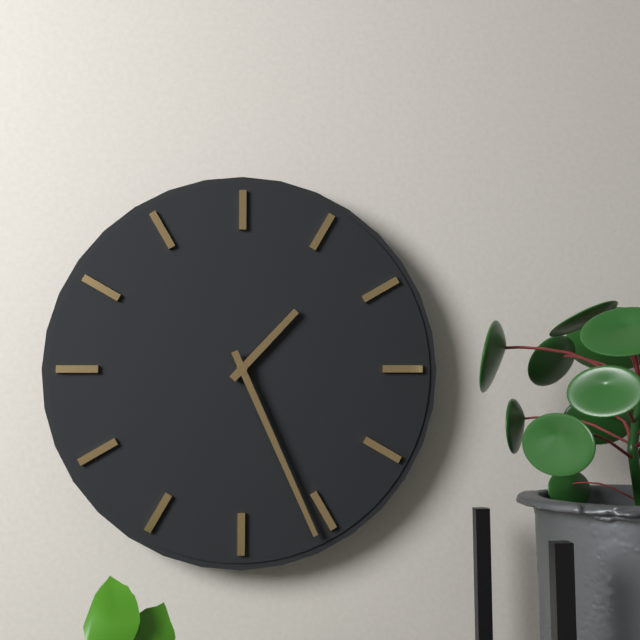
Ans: h=1 m=26
